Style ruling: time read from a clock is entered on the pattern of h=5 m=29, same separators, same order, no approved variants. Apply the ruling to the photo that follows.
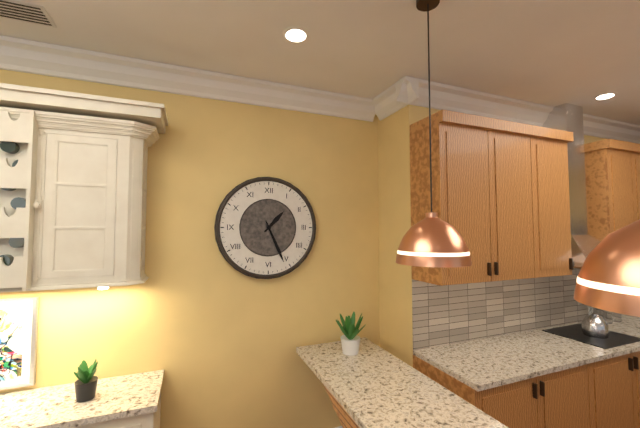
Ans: h=1 m=26
